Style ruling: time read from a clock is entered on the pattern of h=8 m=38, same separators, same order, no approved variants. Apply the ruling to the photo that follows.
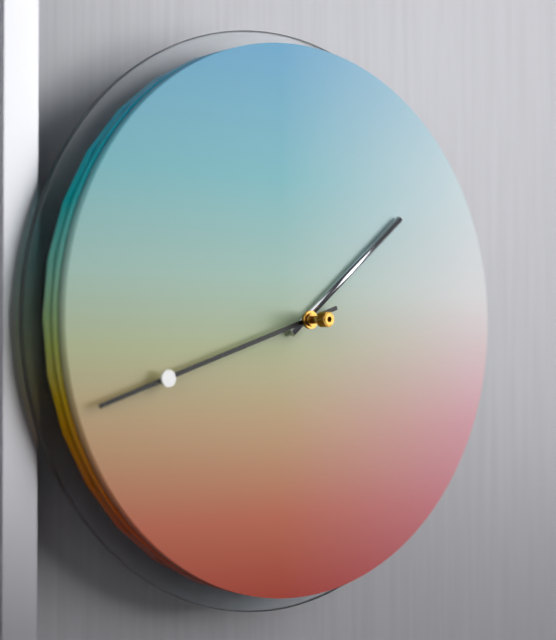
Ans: h=1 m=42
